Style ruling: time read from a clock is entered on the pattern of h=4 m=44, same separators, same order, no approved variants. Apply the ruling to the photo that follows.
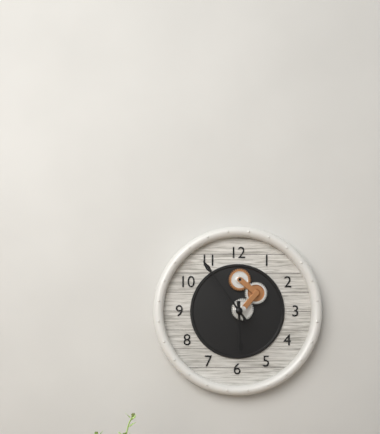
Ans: h=5 m=54
